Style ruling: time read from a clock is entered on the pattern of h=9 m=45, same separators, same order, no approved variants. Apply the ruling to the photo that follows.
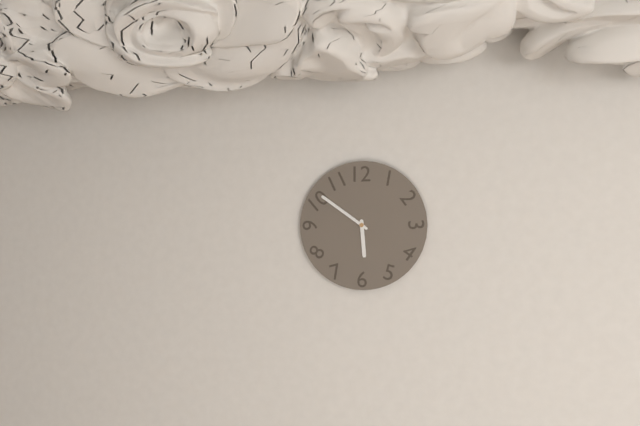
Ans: h=5 m=51
